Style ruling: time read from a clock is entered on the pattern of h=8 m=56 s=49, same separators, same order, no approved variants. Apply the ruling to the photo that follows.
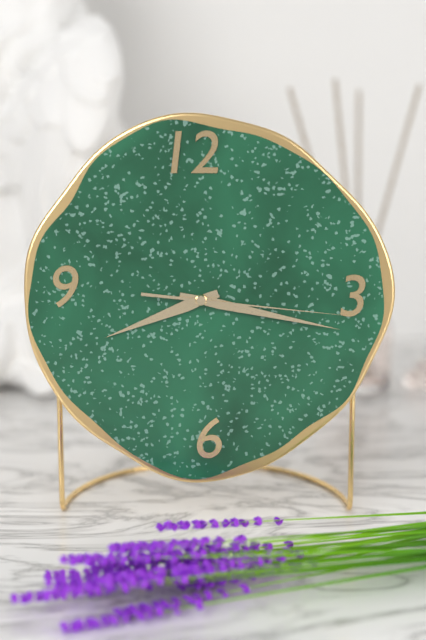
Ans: h=8 m=17 s=16
